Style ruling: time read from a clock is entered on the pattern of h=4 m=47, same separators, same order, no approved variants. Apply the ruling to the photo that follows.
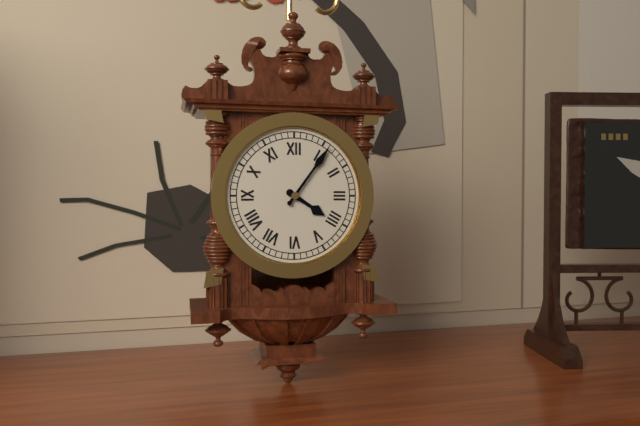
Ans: h=4 m=6
